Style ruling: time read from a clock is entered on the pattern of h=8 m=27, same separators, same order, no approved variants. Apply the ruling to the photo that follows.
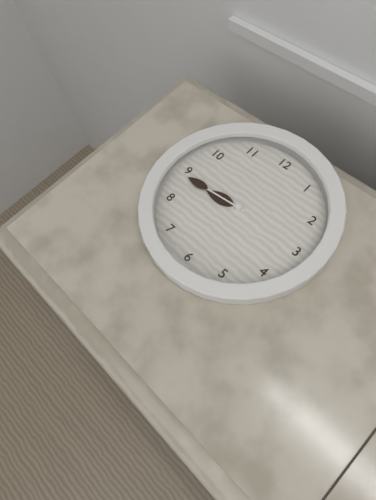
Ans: h=8 m=44
